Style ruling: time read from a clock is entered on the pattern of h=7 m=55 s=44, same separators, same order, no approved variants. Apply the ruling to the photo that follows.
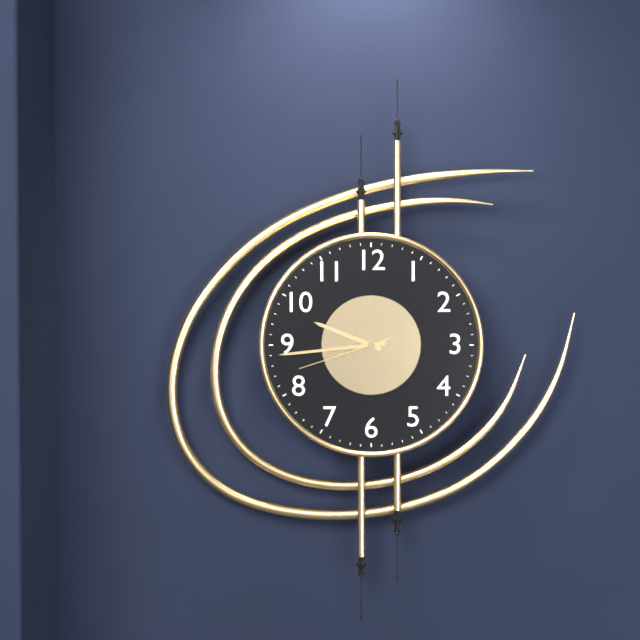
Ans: h=9 m=44 s=42
